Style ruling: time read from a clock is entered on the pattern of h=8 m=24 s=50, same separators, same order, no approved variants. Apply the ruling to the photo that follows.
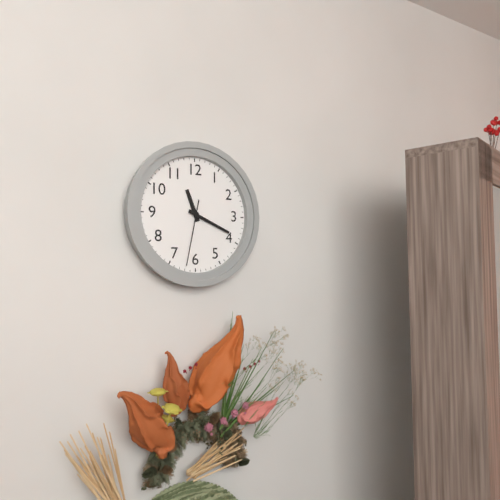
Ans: h=11 m=19 s=32
